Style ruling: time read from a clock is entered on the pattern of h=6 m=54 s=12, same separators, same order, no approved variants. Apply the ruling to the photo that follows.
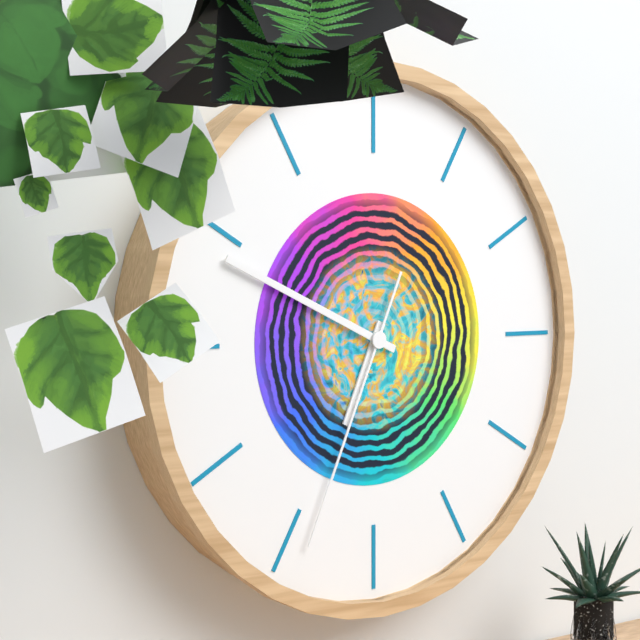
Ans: h=6 m=49 s=34
